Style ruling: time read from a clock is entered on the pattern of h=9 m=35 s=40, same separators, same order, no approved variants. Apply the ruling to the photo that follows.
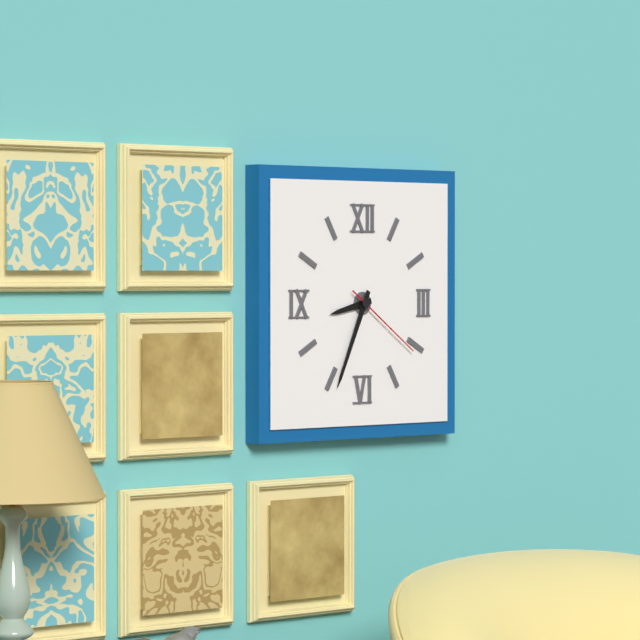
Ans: h=8 m=34 s=21
